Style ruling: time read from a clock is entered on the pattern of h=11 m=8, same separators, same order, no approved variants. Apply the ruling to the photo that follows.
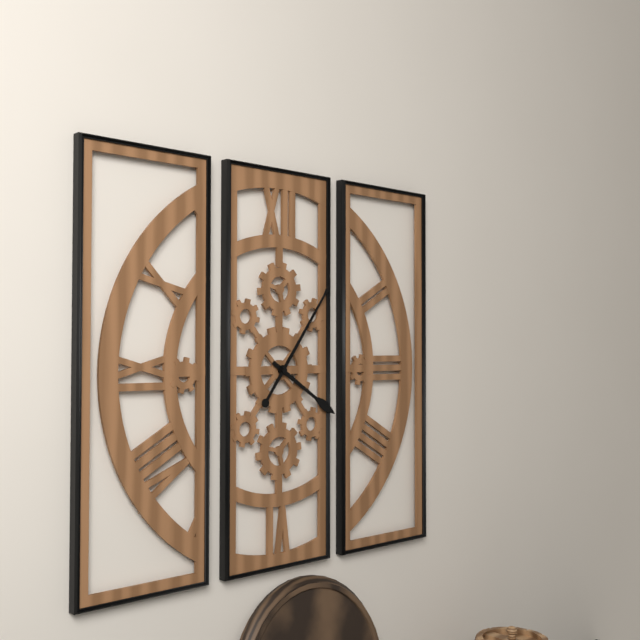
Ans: h=4 m=6
